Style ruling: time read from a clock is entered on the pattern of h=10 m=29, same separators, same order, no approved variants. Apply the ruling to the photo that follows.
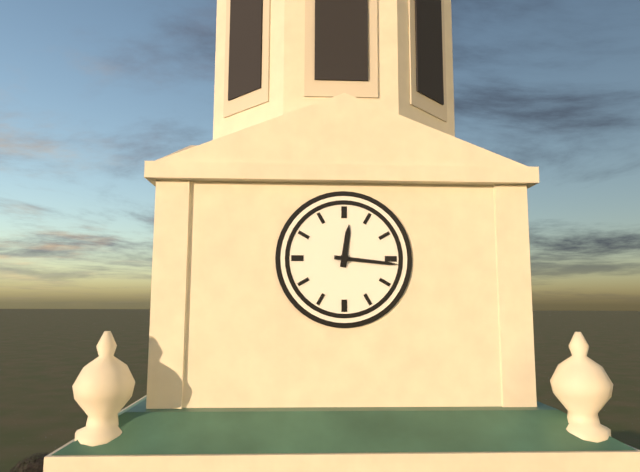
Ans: h=12 m=16
